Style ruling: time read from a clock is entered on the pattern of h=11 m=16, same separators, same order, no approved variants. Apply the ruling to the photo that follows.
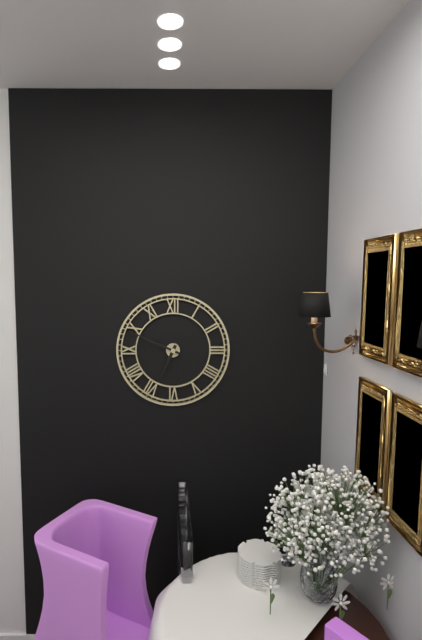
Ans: h=6 m=49
